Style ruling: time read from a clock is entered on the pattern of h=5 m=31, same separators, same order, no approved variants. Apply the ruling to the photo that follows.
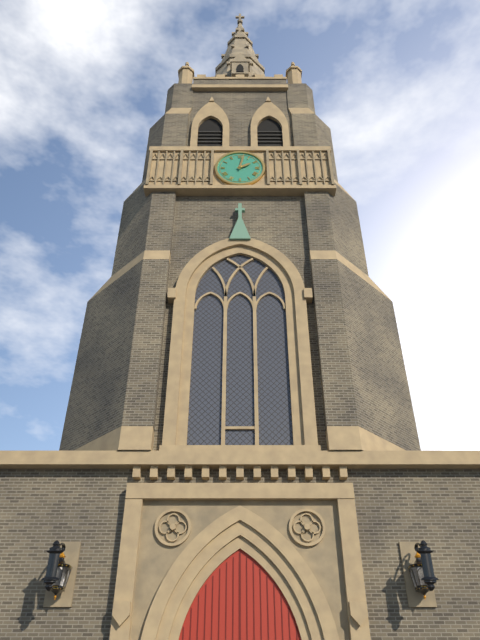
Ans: h=2 m=2
